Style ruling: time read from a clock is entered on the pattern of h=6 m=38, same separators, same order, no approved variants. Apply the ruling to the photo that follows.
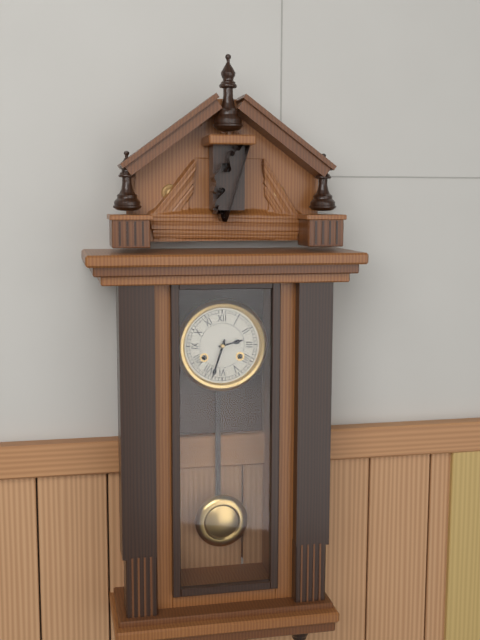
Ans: h=2 m=33
